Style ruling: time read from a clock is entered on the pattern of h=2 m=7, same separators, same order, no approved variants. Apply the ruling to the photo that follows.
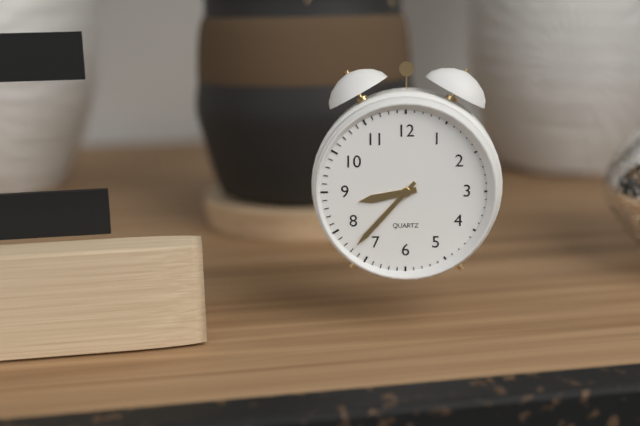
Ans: h=8 m=37
